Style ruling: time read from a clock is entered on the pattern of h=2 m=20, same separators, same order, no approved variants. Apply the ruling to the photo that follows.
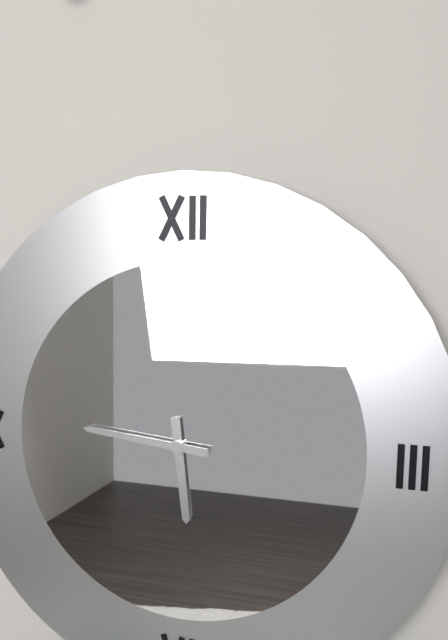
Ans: h=5 m=46
